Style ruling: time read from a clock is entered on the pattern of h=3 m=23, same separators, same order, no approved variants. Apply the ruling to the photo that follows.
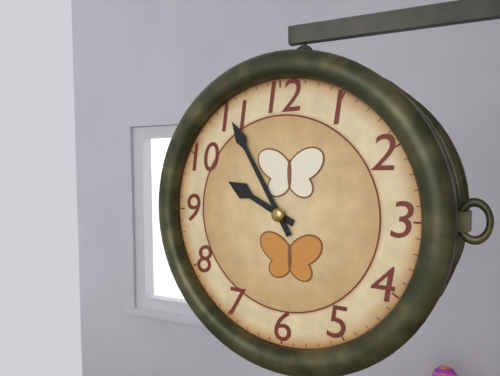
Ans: h=9 m=55
